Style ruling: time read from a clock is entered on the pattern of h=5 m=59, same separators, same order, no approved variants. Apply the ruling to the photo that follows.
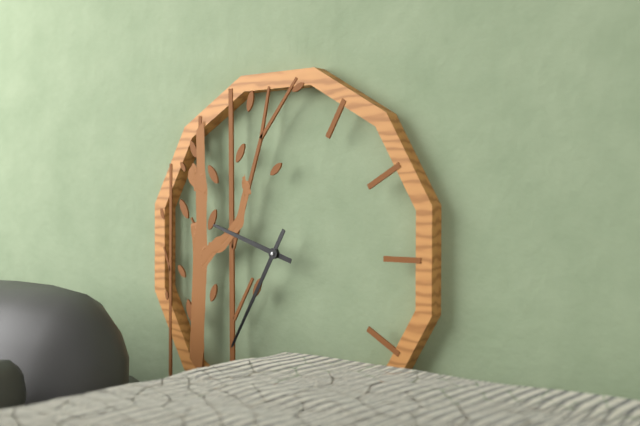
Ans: h=9 m=35
